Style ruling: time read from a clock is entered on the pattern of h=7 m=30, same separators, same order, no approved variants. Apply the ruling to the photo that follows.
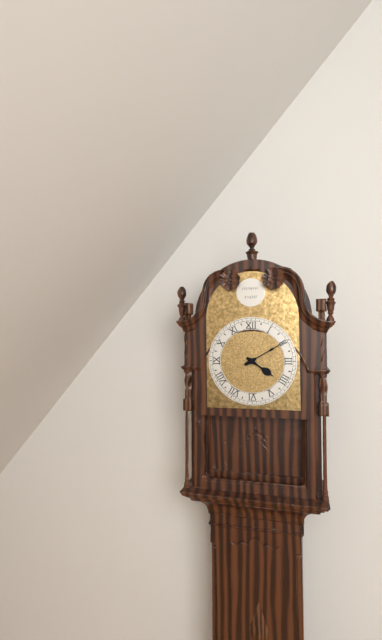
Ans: h=4 m=10
